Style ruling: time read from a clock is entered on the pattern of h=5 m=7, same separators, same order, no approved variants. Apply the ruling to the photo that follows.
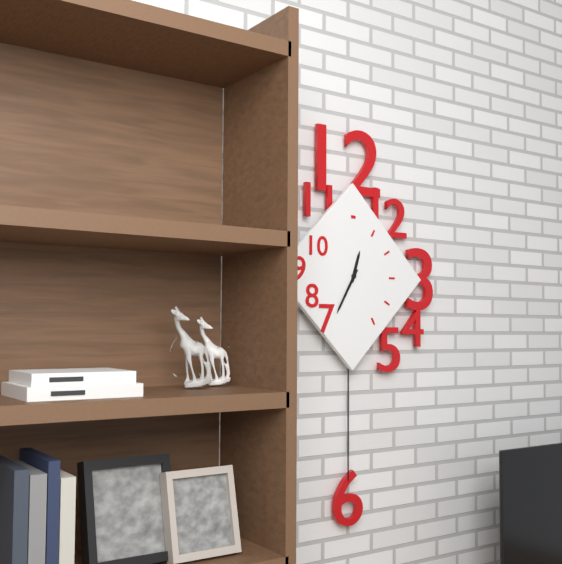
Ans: h=12 m=35
